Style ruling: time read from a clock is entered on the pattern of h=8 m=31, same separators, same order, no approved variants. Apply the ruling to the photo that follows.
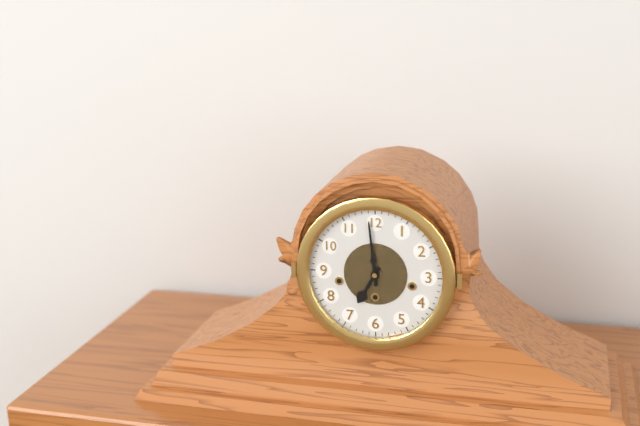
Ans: h=6 m=59
